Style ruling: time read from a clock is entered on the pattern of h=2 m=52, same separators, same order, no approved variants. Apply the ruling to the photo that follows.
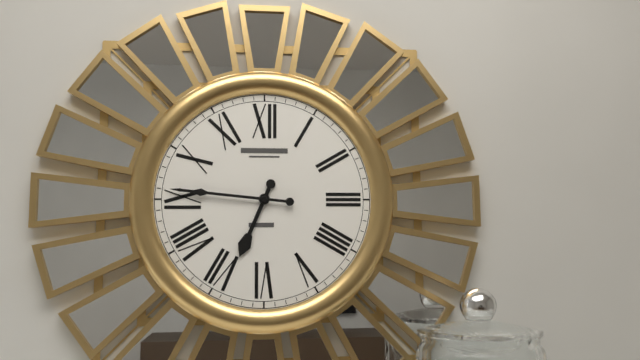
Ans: h=6 m=46
